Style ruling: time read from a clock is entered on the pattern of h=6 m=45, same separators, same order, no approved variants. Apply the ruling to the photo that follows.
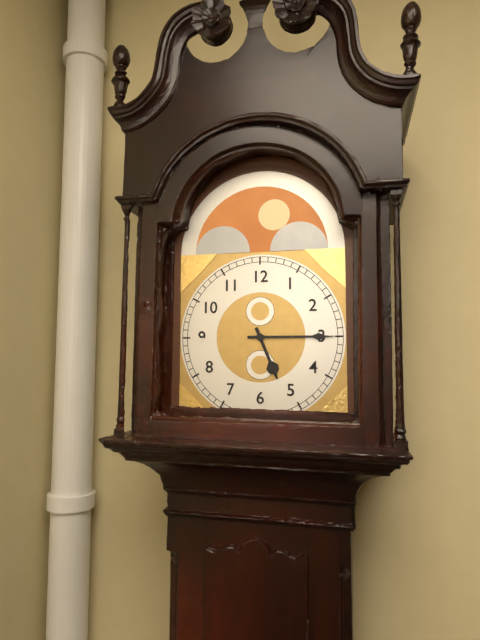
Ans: h=5 m=15
